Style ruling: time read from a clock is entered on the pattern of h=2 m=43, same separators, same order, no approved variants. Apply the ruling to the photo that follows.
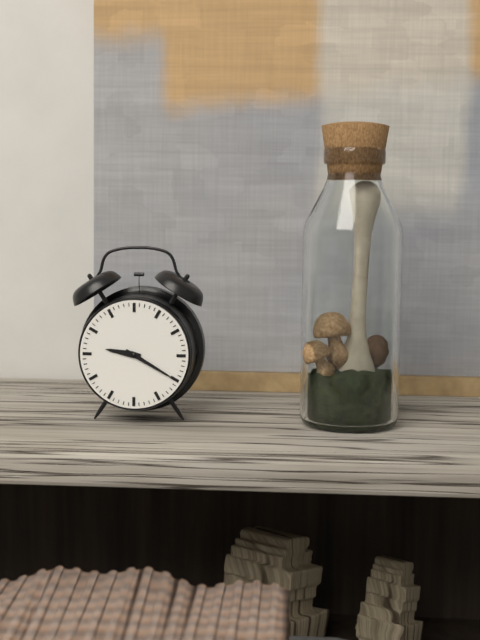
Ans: h=9 m=20
